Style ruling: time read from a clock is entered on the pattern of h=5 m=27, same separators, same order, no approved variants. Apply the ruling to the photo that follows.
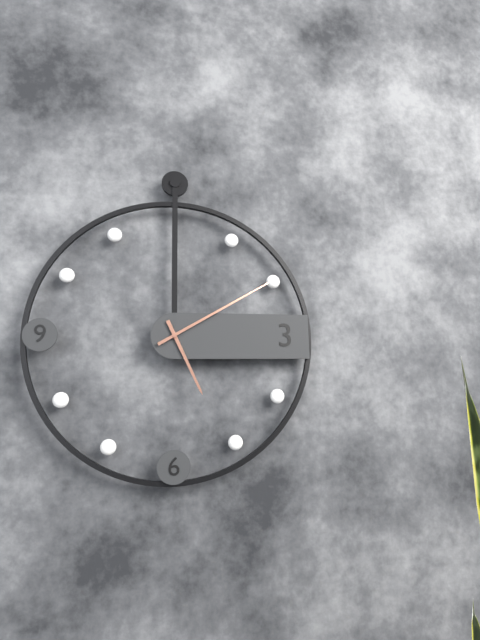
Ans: h=5 m=10
